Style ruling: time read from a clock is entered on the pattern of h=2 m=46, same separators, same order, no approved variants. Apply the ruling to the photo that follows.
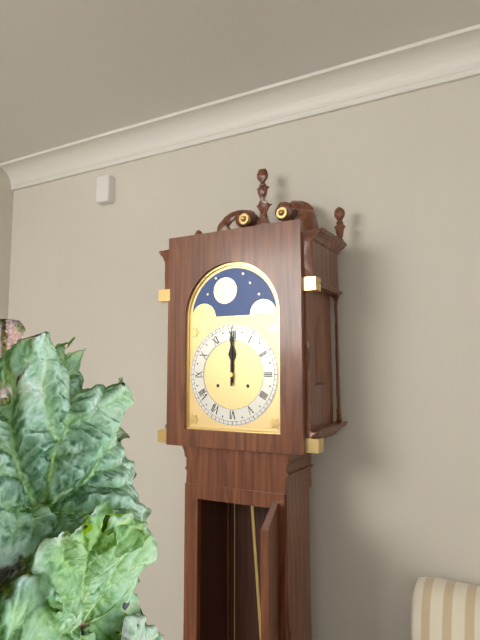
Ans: h=12 m=0
